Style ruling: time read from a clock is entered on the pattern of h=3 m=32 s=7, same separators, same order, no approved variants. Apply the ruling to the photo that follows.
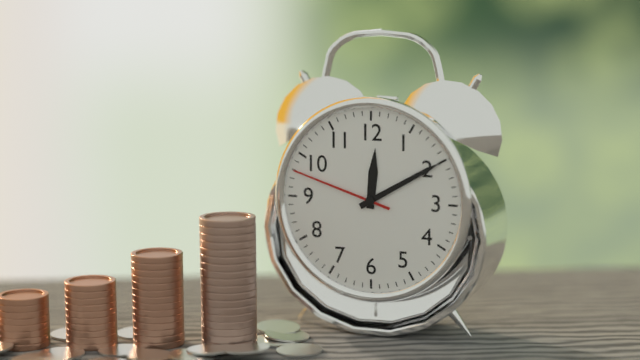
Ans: h=12 m=10 s=48
